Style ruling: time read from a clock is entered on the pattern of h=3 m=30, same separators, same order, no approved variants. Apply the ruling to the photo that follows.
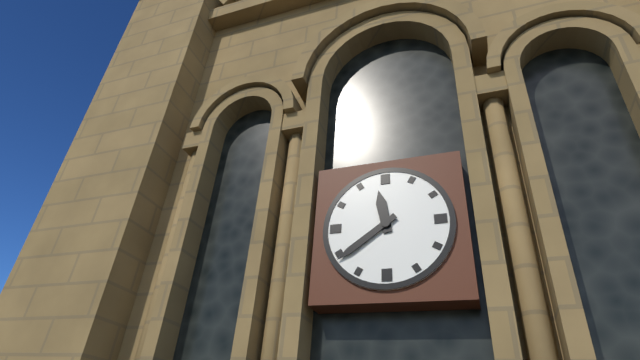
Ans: h=11 m=39
